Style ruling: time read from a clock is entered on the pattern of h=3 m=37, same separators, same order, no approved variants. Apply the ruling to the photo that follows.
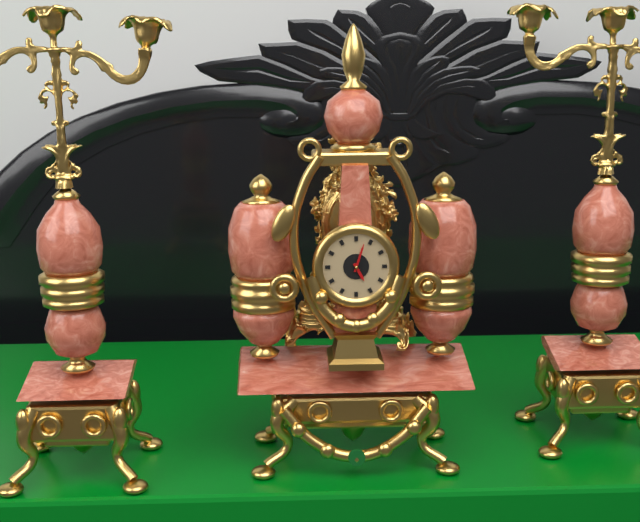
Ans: h=5 m=3
